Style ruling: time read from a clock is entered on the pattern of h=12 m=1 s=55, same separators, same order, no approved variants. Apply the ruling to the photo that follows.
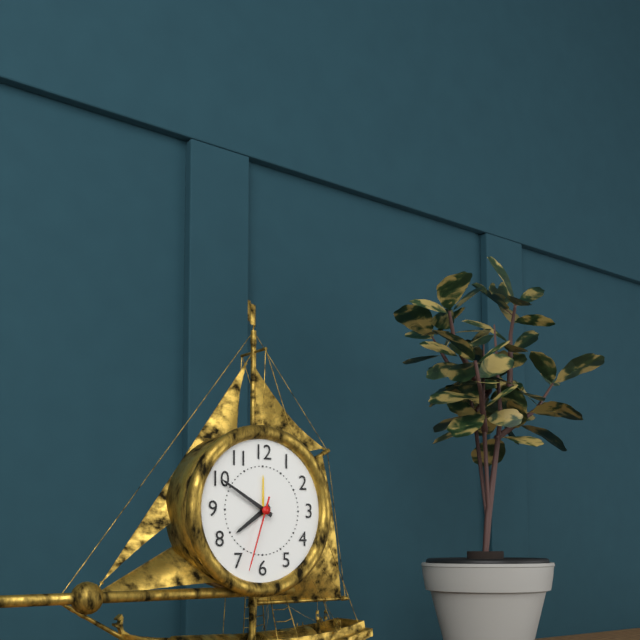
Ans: h=7 m=50 s=33
